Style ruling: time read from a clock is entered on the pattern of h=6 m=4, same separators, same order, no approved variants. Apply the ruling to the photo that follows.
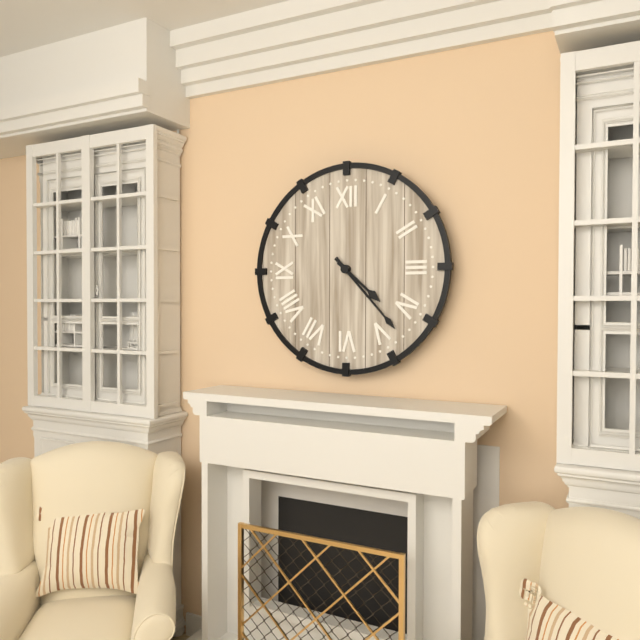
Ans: h=4 m=23
